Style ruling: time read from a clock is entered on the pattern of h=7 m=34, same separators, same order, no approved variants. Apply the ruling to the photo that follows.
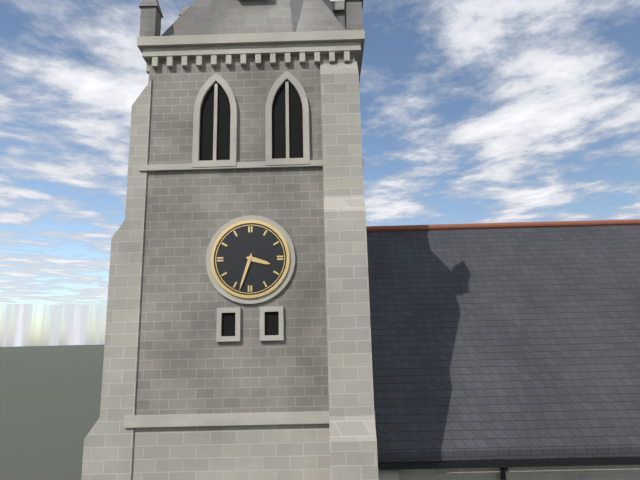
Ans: h=3 m=33
